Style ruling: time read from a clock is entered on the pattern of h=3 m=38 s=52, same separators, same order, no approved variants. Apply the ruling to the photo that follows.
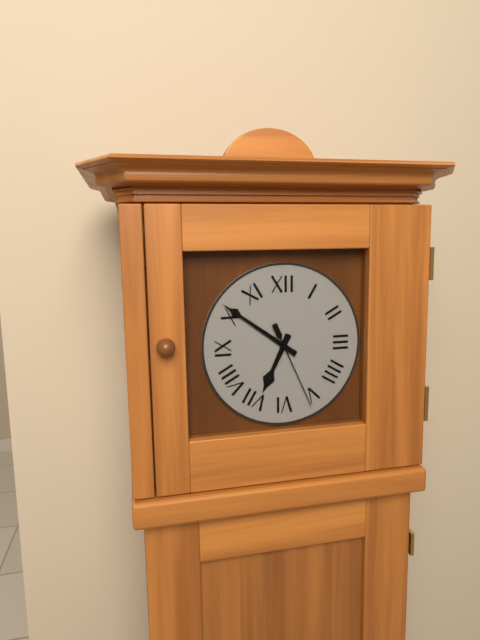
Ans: h=6 m=51 s=26
